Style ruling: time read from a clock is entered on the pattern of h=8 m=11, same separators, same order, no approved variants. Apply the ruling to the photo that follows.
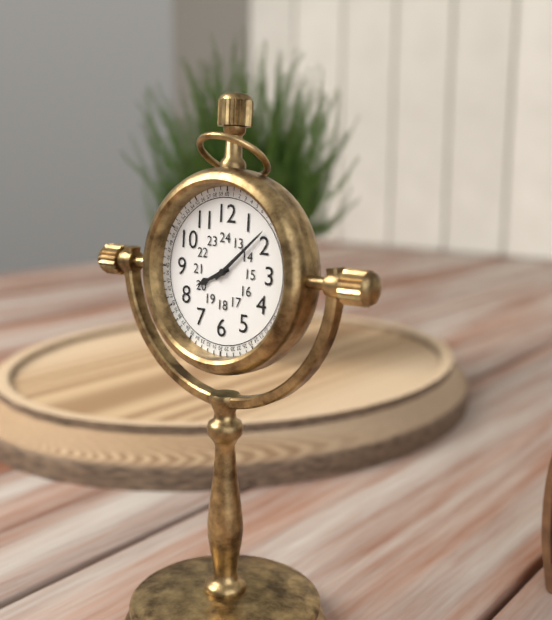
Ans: h=8 m=8
